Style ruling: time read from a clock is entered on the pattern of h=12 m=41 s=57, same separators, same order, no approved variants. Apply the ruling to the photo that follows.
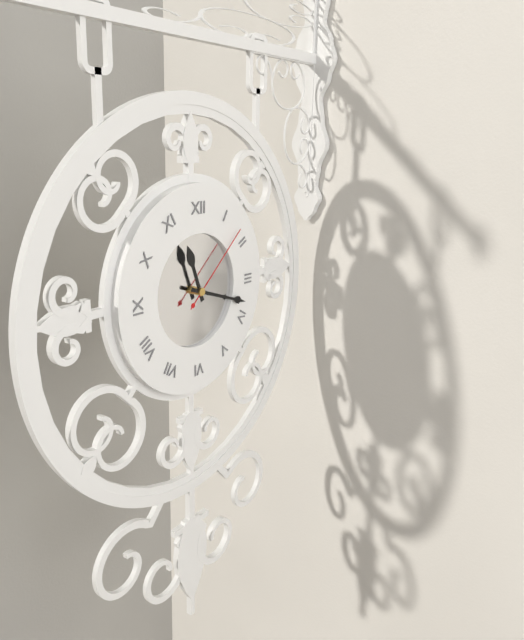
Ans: h=11 m=18 s=8
